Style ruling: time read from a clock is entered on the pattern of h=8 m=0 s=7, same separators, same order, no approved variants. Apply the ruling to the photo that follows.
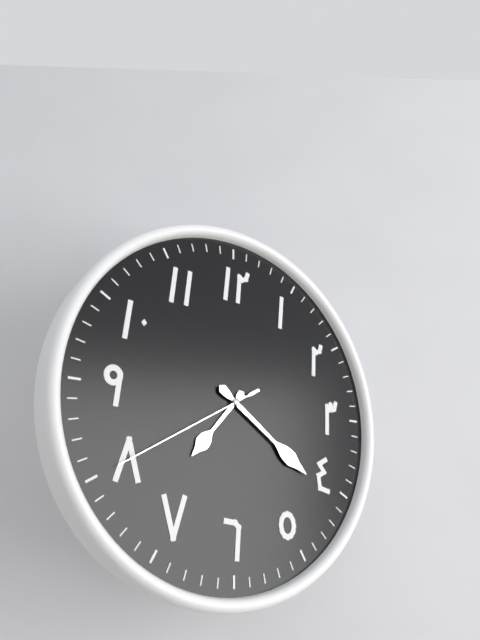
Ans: h=7 m=21 s=40
